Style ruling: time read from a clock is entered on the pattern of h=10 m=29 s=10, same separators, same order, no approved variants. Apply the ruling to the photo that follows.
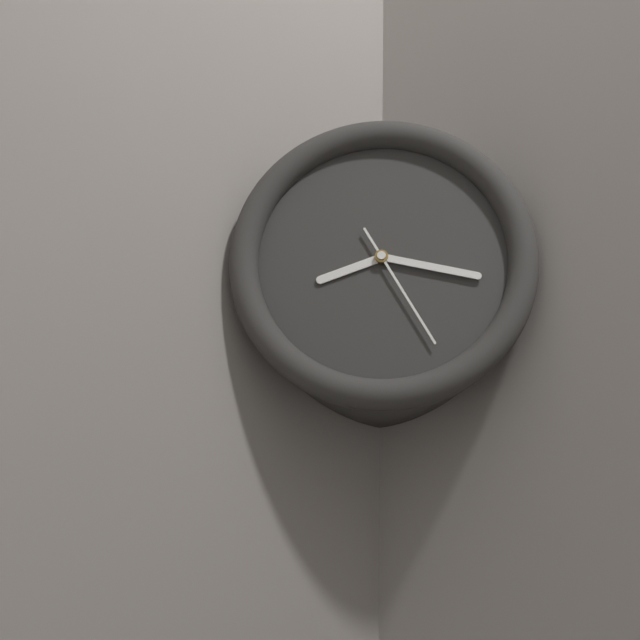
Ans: h=8 m=17 s=25
